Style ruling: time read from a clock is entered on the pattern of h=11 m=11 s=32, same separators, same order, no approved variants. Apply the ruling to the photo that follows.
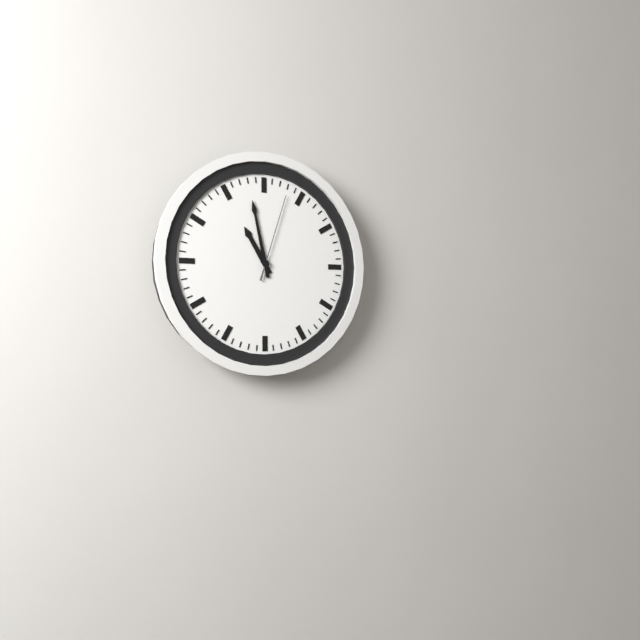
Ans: h=10 m=58 s=3
